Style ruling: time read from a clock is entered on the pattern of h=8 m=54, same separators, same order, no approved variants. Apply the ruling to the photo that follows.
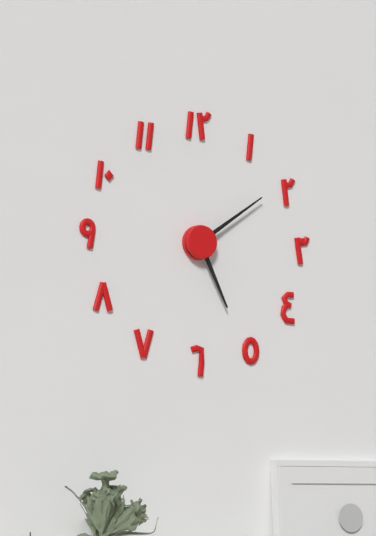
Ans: h=5 m=9
